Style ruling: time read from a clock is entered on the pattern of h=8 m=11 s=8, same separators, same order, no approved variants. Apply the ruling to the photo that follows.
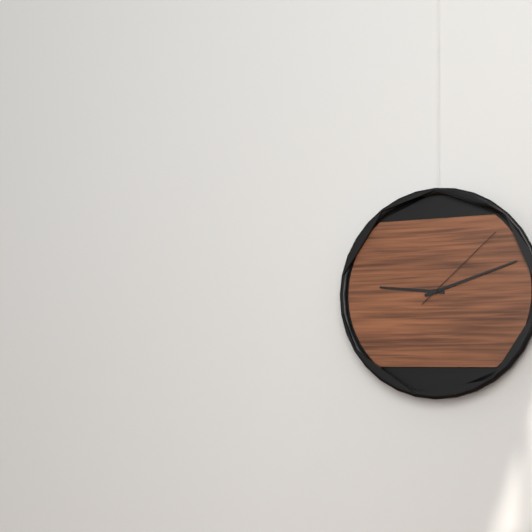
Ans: h=9 m=12 s=8
